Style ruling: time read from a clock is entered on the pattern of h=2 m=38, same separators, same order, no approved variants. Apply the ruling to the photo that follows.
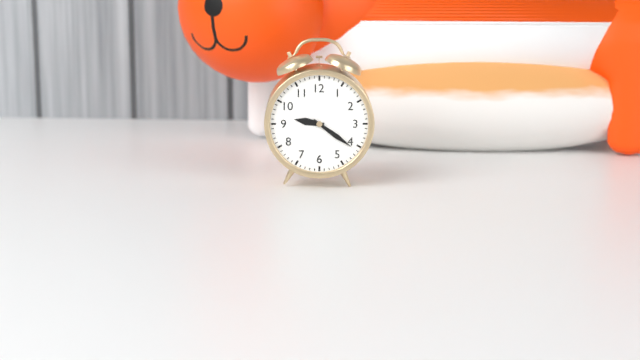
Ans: h=9 m=21
